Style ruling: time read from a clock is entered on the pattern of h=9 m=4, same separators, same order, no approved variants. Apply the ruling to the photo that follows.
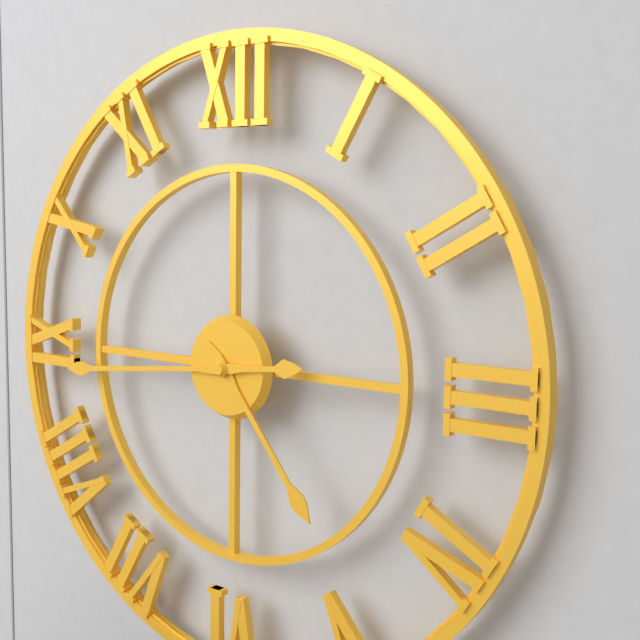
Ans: h=4 m=44
